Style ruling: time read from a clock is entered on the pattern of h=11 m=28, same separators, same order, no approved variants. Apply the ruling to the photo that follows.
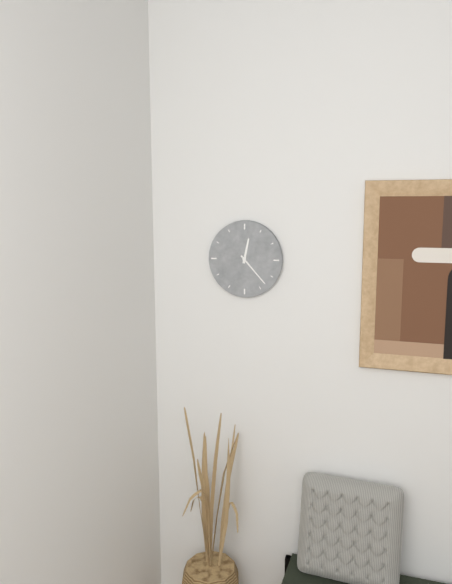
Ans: h=12 m=23
